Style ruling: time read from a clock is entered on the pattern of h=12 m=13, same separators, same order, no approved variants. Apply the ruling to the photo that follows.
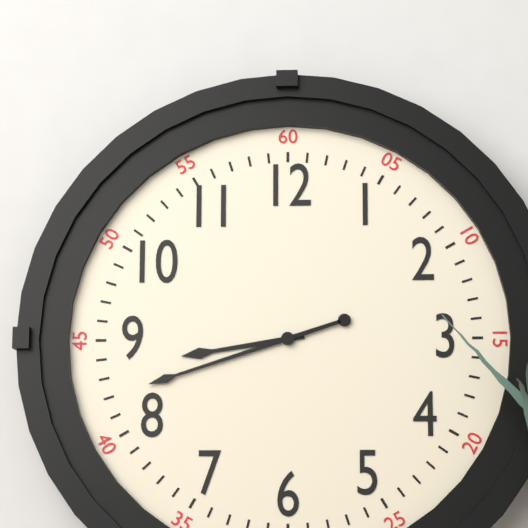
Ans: h=8 m=42
